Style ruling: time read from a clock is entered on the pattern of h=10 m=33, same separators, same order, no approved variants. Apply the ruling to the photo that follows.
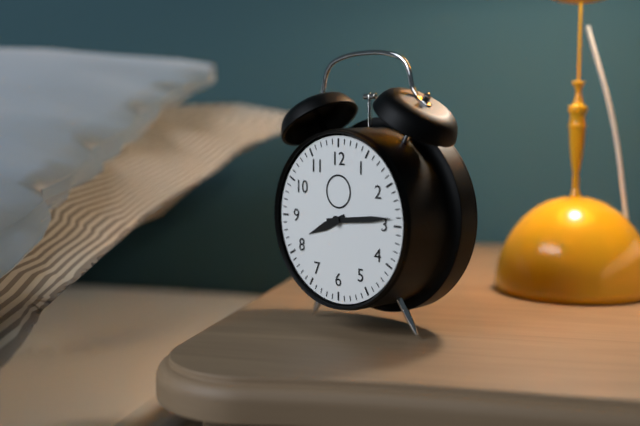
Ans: h=8 m=14
